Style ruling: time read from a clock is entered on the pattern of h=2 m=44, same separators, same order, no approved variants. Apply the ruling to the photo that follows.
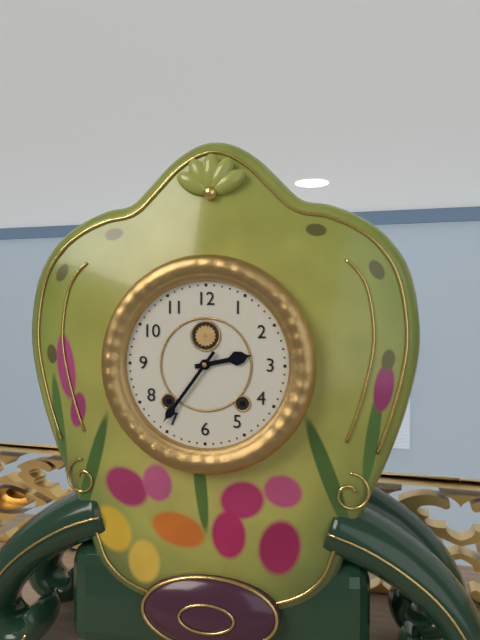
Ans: h=2 m=36
